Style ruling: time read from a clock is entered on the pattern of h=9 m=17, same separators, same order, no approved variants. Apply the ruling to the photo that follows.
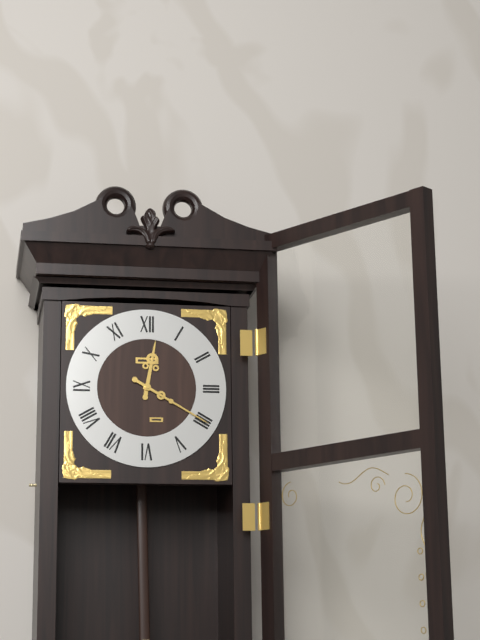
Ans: h=12 m=20
